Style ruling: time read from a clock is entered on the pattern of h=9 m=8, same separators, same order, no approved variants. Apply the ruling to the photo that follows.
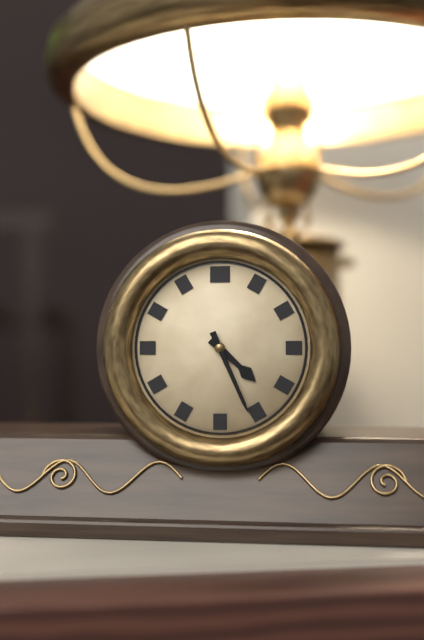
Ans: h=4 m=26
